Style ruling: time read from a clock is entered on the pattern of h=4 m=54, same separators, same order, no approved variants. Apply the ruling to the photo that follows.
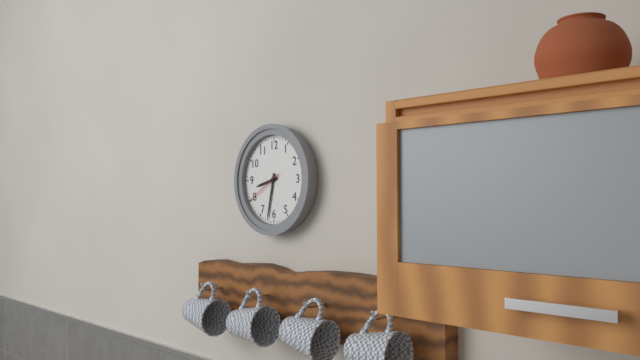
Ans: h=8 m=32
